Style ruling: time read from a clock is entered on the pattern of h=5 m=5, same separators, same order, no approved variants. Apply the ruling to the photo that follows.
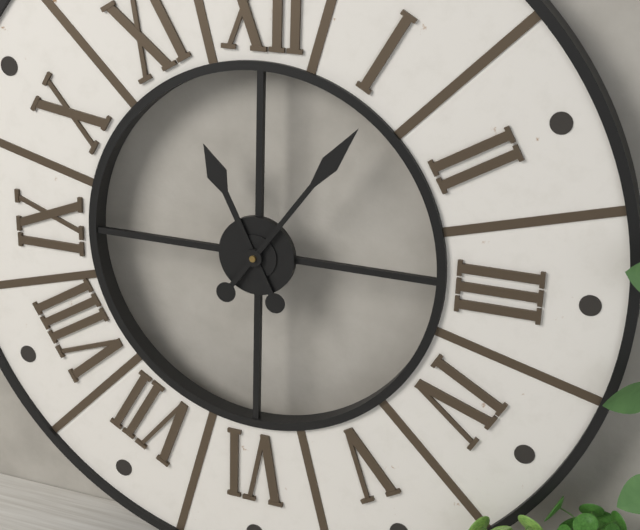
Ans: h=11 m=6
